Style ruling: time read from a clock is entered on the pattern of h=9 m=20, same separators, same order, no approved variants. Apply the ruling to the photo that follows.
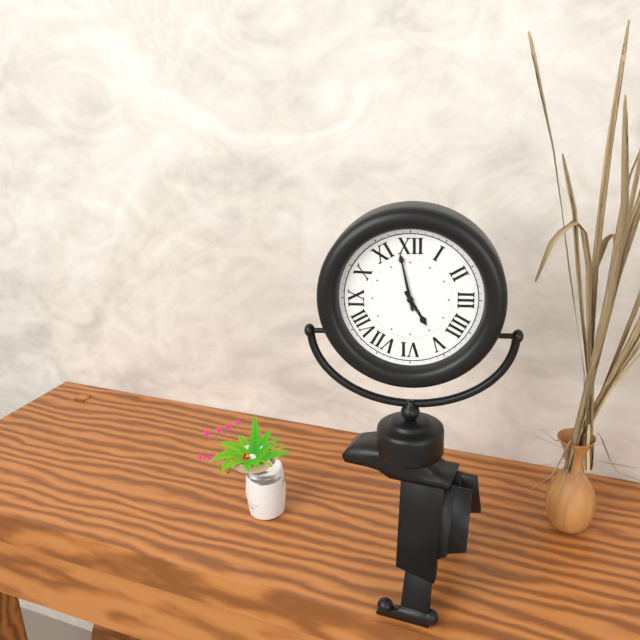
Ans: h=4 m=58
